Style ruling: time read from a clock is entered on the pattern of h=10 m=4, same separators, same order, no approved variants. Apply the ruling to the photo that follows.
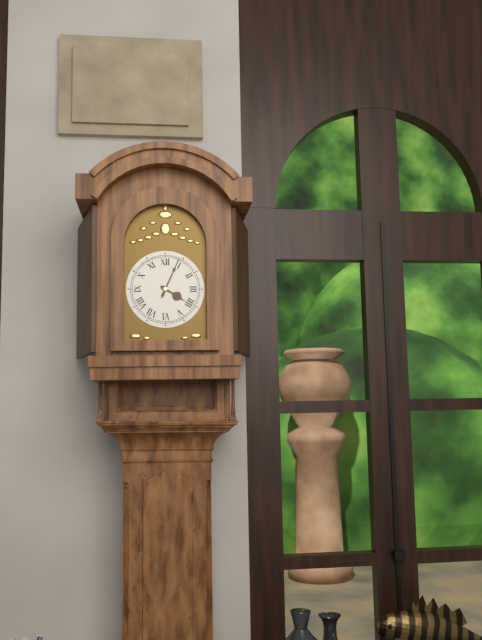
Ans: h=4 m=4
